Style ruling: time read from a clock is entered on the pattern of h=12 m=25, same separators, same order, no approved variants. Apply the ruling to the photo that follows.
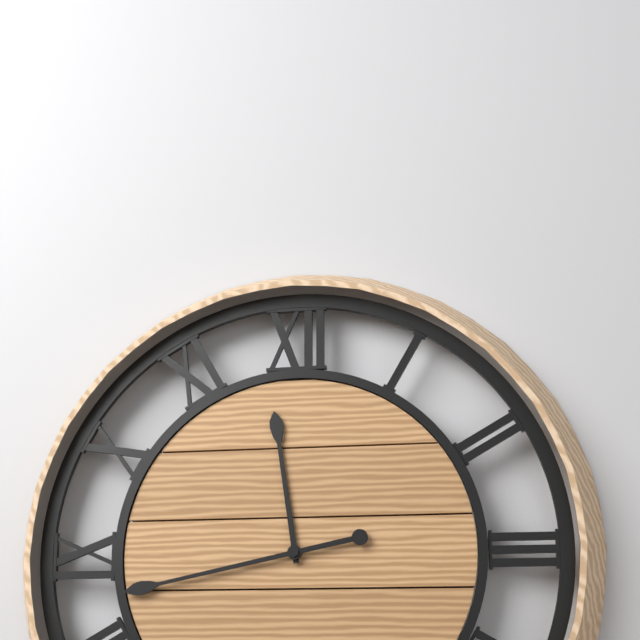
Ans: h=11 m=43
